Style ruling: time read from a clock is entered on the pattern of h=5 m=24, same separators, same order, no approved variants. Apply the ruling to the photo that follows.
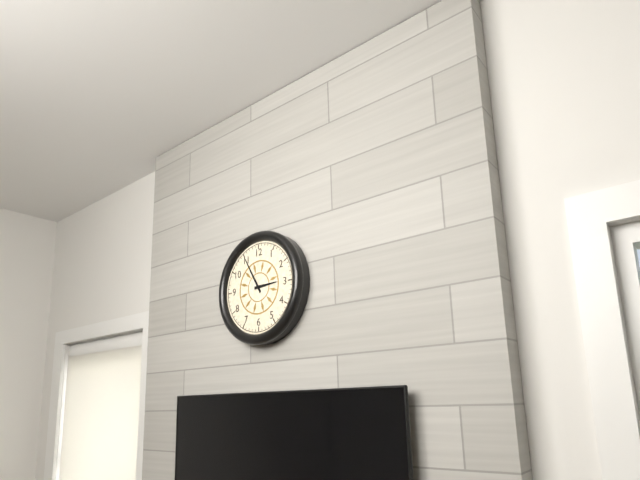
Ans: h=2 m=55
